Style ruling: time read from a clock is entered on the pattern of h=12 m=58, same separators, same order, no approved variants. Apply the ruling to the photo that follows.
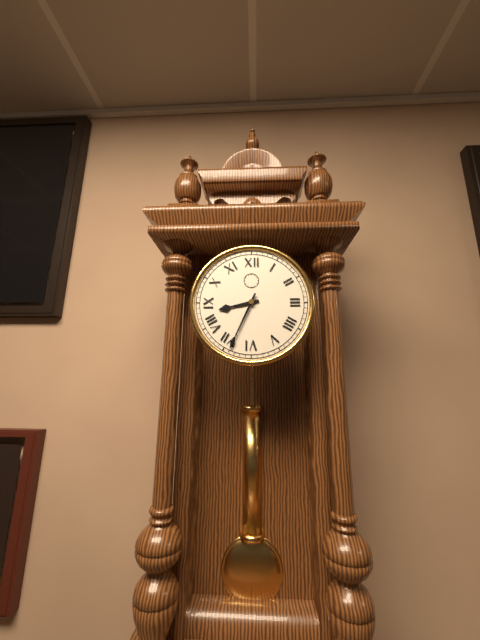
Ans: h=8 m=34
